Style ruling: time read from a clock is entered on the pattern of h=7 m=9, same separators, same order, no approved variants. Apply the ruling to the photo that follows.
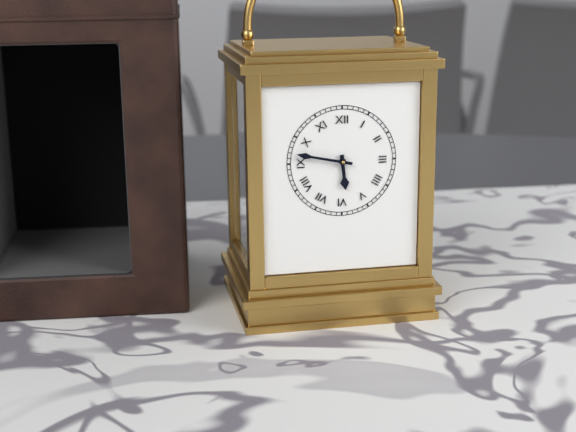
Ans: h=5 m=47
